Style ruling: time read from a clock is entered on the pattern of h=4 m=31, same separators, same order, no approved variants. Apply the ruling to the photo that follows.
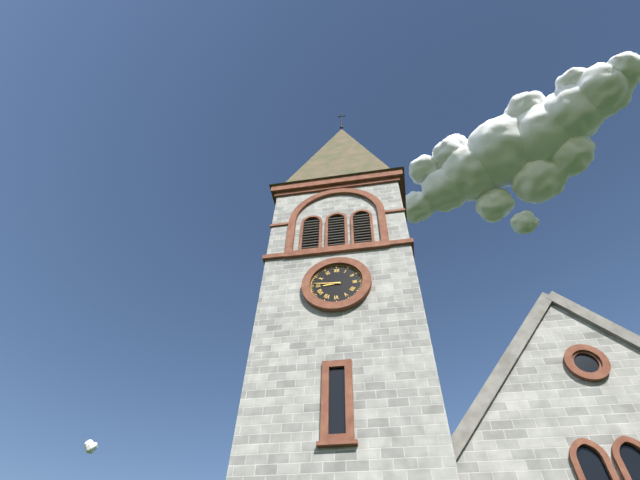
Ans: h=8 m=46
